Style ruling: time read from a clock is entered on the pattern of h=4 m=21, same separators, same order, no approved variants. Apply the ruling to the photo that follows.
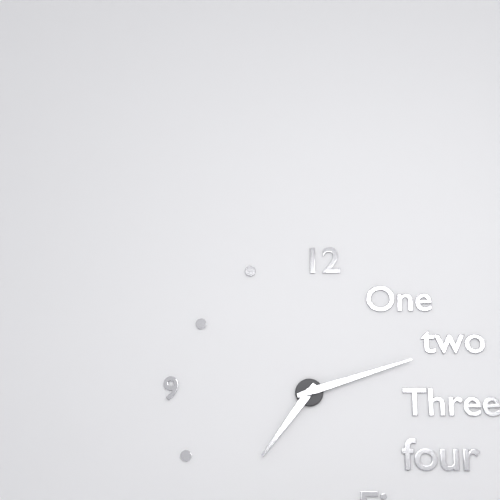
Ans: h=7 m=12
